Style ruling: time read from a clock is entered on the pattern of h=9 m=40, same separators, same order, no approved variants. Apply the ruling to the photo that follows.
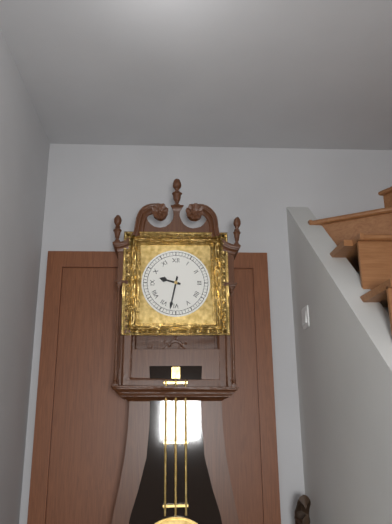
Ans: h=9 m=32
